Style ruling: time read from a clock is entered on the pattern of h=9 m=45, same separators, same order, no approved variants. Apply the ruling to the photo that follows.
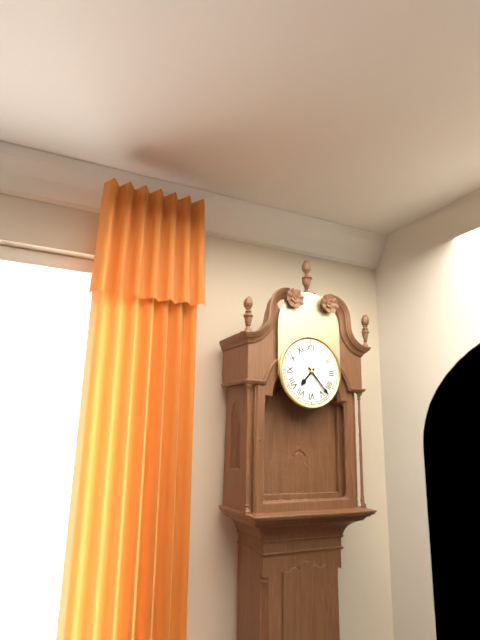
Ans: h=7 m=23
